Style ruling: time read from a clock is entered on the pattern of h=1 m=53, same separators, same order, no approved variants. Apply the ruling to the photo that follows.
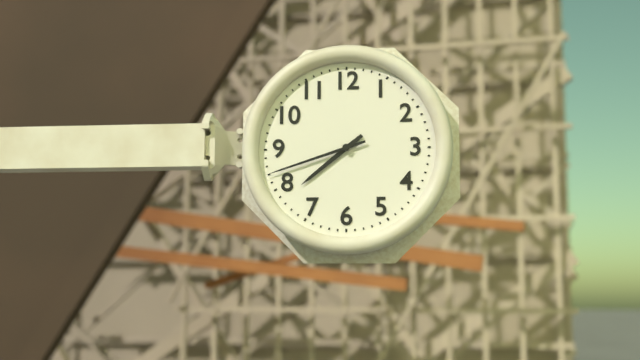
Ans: h=7 m=42
